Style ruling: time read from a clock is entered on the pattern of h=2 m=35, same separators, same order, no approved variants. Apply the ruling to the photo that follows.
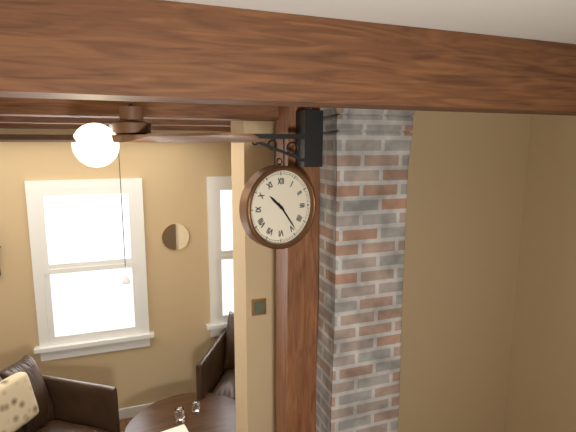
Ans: h=10 m=24
